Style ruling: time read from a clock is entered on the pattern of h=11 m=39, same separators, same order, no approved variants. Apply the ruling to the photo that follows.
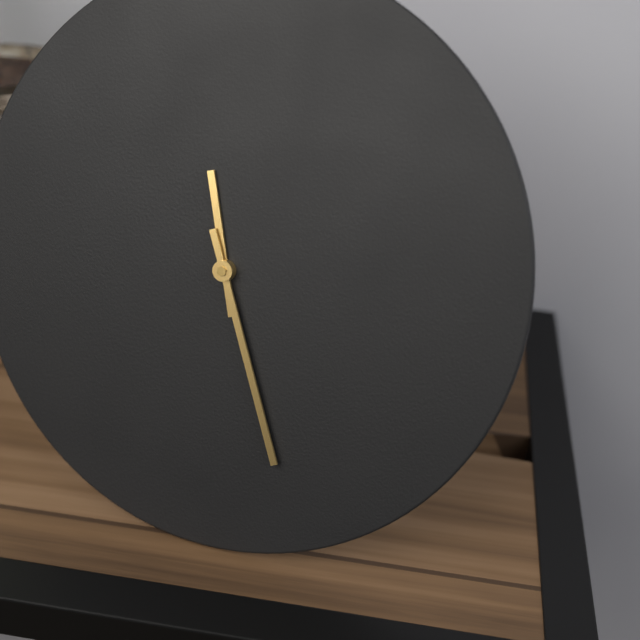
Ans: h=11 m=26
